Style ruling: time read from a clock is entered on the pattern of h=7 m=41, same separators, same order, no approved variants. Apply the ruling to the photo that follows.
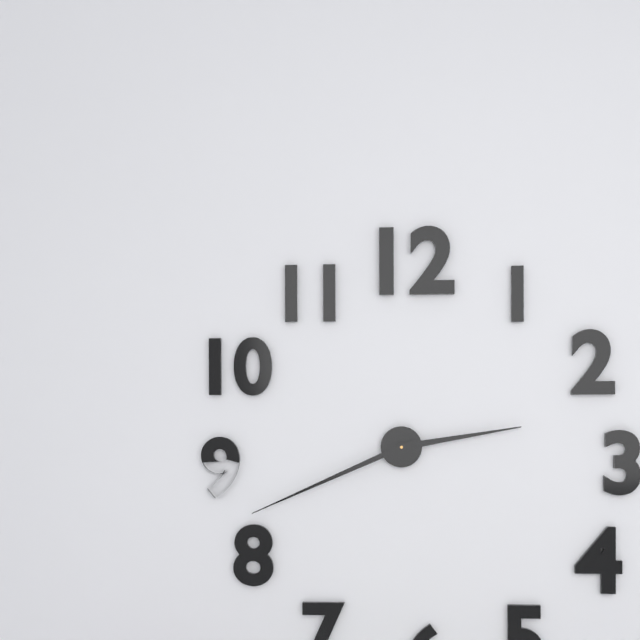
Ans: h=2 m=41
